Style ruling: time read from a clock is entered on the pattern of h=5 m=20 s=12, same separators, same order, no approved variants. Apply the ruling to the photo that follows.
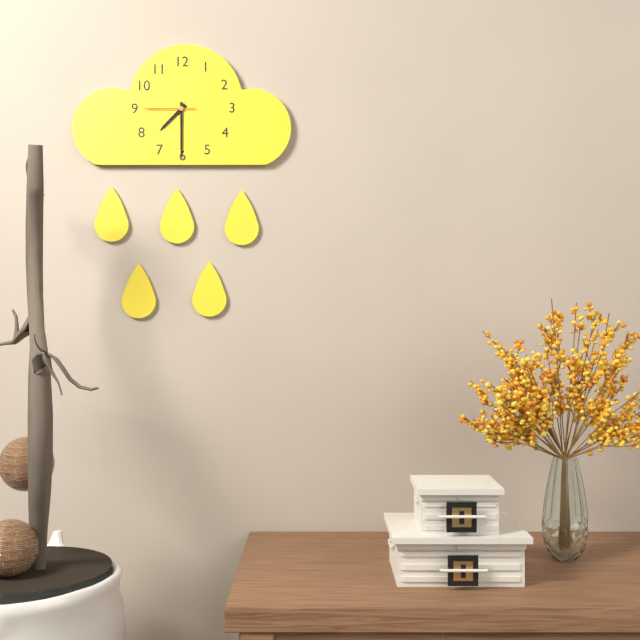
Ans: h=7 m=30 s=45
